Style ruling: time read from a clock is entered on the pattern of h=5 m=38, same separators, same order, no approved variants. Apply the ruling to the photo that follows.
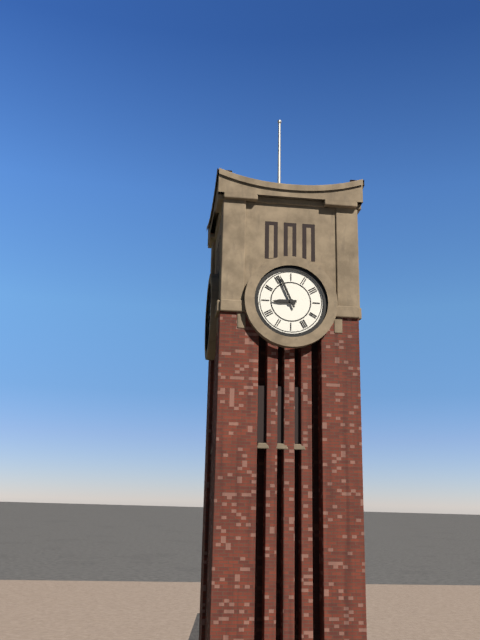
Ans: h=8 m=56
